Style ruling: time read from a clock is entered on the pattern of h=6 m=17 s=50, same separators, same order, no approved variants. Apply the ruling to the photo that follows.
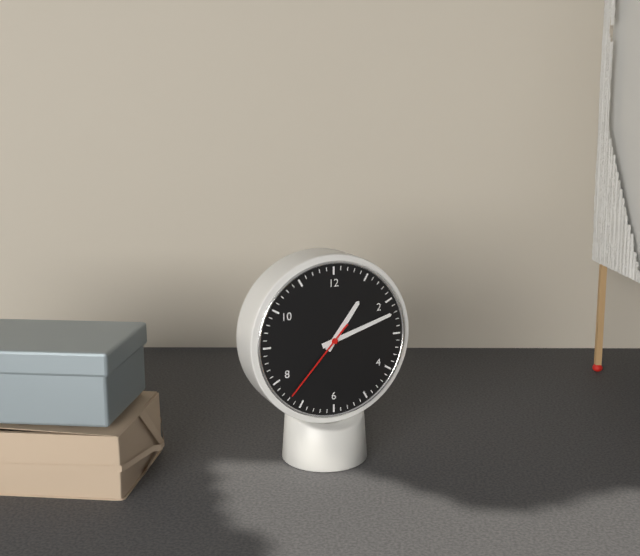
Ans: h=1 m=12 s=37
